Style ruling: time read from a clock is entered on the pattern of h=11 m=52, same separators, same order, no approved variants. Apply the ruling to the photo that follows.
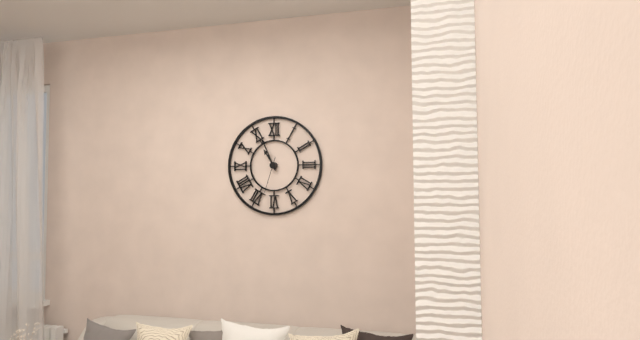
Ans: h=10 m=56
